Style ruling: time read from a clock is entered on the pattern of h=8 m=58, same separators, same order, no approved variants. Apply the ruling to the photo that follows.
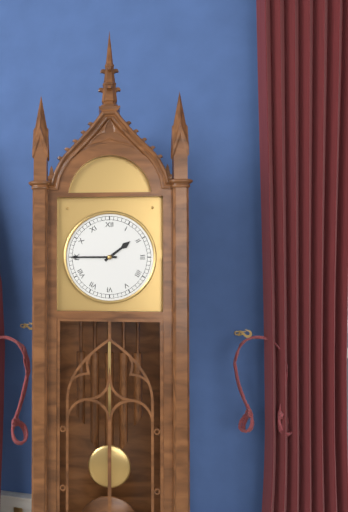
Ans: h=1 m=45
